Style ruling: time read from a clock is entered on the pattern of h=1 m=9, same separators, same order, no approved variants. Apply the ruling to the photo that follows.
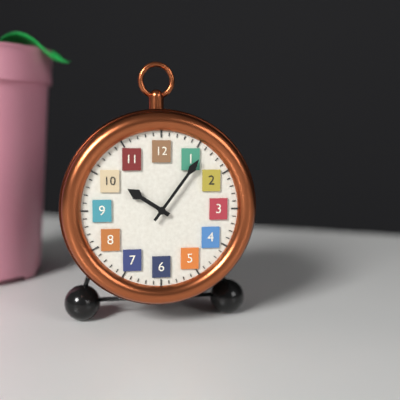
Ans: h=10 m=6
